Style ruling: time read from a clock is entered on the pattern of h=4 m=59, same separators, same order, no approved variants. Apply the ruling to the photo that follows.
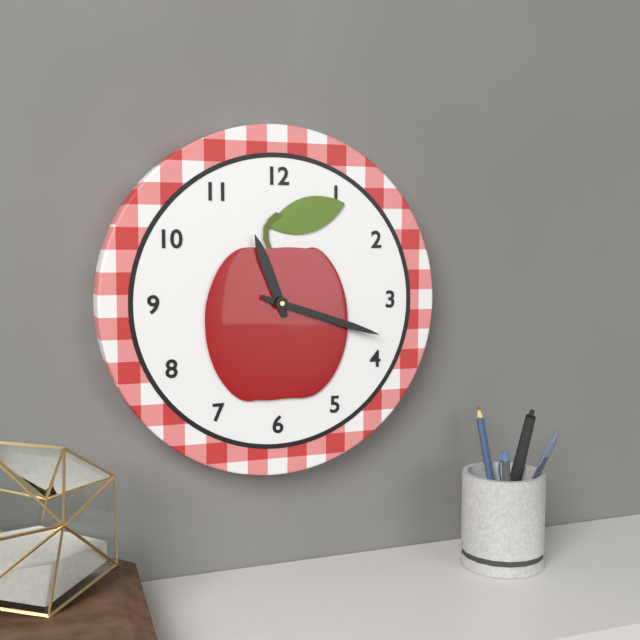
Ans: h=11 m=18
